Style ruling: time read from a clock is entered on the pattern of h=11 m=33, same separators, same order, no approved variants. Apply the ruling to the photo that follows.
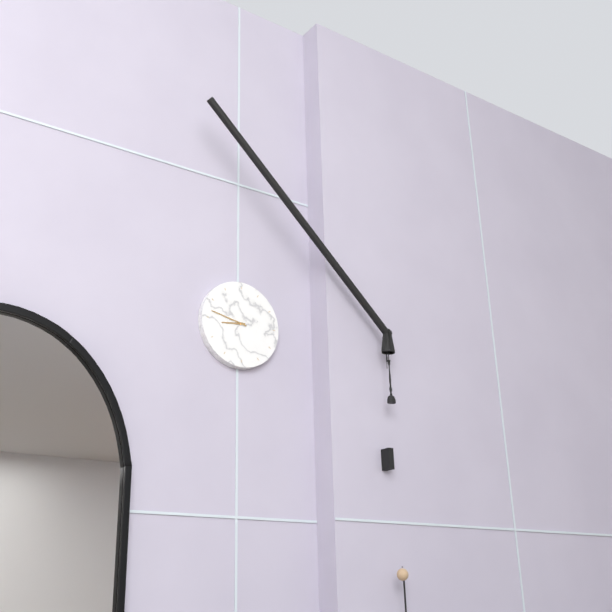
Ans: h=8 m=47
